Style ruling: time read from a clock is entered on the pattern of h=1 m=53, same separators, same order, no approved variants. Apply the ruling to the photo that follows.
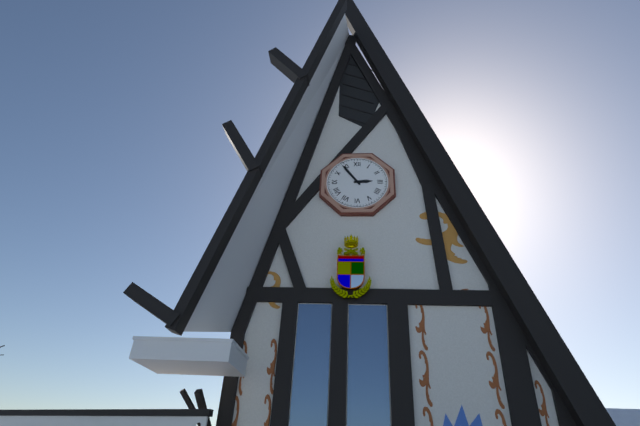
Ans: h=2 m=54
